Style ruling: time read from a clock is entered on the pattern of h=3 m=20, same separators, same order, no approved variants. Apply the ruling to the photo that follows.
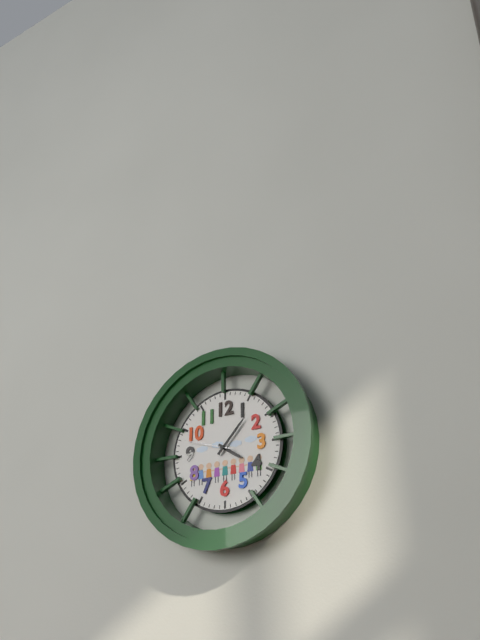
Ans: h=4 m=7
